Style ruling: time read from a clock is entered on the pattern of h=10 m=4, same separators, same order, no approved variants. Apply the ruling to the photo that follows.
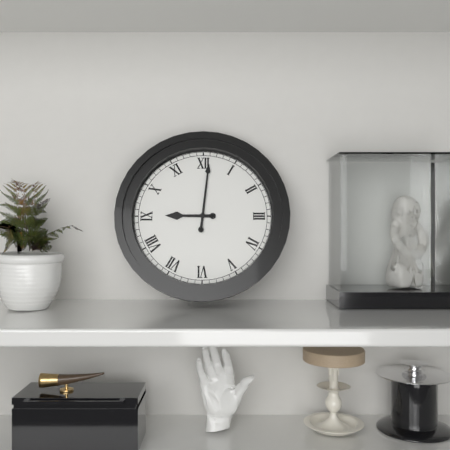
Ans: h=9 m=1
